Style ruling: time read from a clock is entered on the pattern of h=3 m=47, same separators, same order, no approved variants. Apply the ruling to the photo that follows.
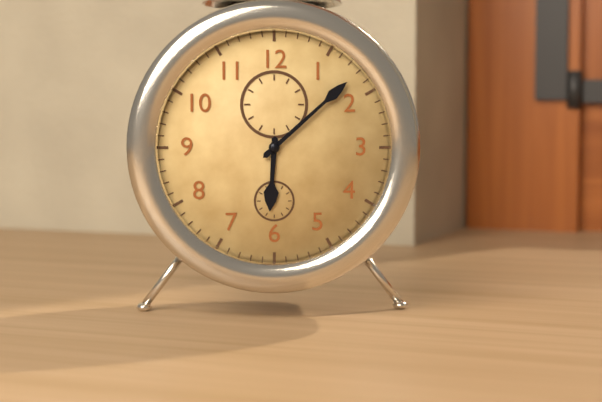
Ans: h=6 m=8
